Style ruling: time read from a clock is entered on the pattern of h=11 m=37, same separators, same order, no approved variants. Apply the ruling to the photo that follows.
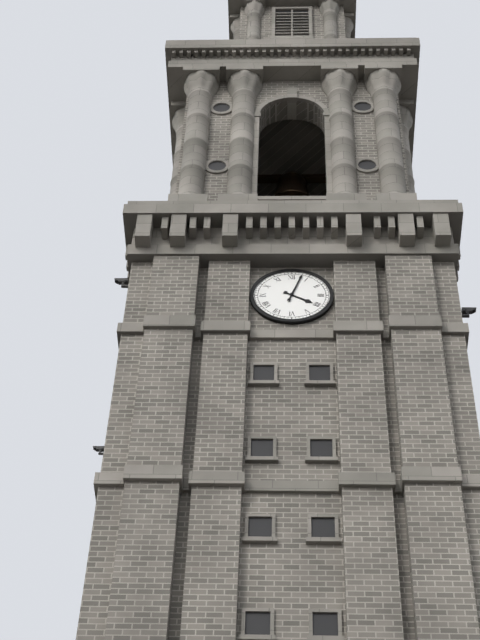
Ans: h=4 m=3
